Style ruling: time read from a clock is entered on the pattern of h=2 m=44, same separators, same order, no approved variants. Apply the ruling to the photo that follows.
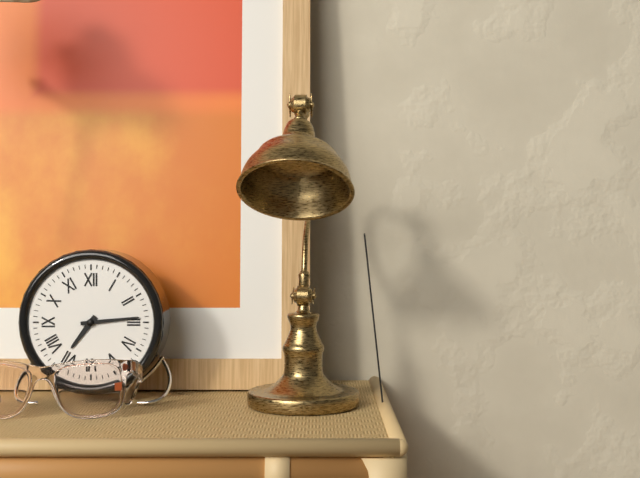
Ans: h=7 m=14
